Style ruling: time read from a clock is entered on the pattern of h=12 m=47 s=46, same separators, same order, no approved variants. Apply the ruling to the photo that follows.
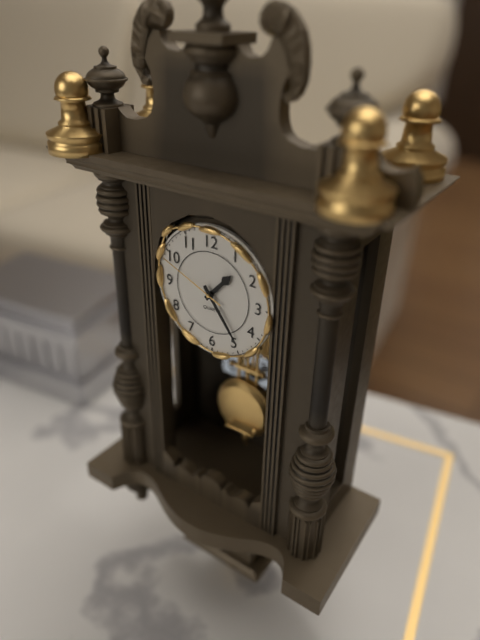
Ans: h=1 m=24 s=49
